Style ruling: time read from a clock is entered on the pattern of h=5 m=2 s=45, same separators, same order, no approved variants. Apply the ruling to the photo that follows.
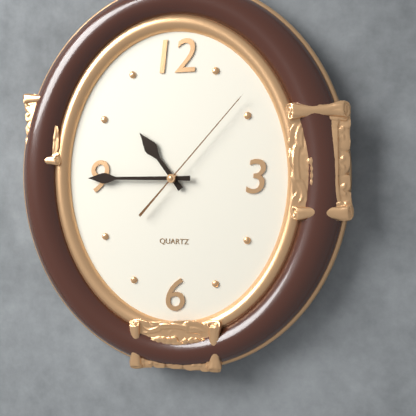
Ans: h=10 m=45 s=7
